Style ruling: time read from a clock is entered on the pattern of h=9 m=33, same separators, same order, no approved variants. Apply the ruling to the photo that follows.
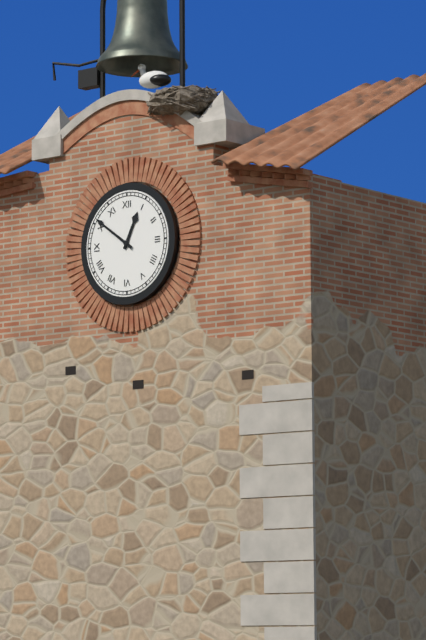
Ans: h=12 m=51
